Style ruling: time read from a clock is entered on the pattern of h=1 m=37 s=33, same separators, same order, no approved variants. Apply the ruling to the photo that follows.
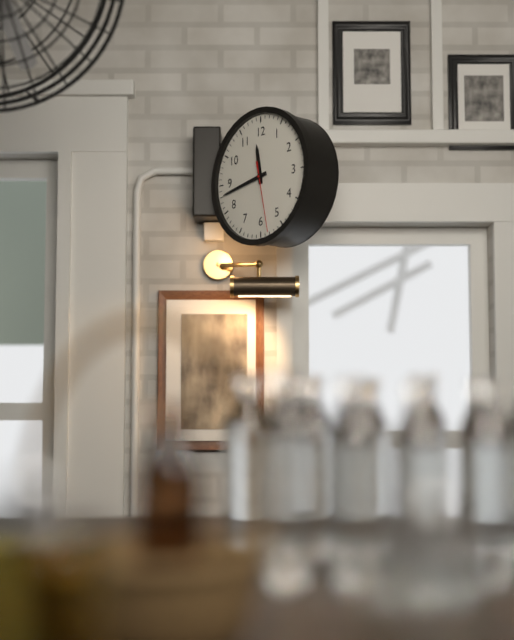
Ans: h=11 m=43 s=28
